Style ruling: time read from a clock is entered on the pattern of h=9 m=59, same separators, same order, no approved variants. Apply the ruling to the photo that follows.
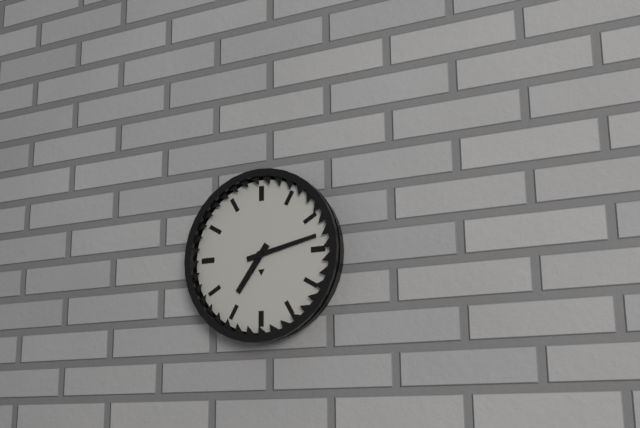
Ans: h=7 m=13
